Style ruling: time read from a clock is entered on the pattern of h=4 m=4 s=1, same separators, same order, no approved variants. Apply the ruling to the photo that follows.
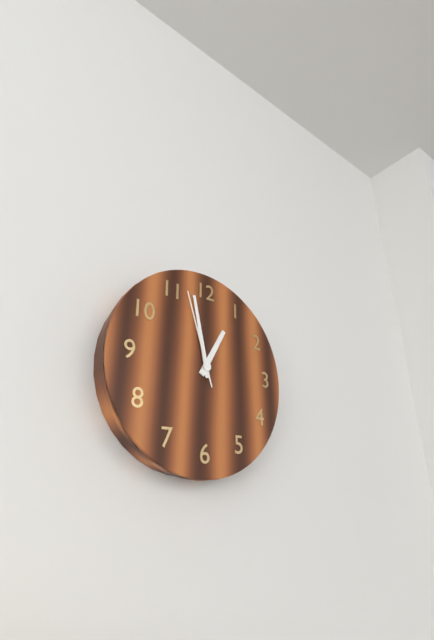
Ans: h=12 m=58 s=57
